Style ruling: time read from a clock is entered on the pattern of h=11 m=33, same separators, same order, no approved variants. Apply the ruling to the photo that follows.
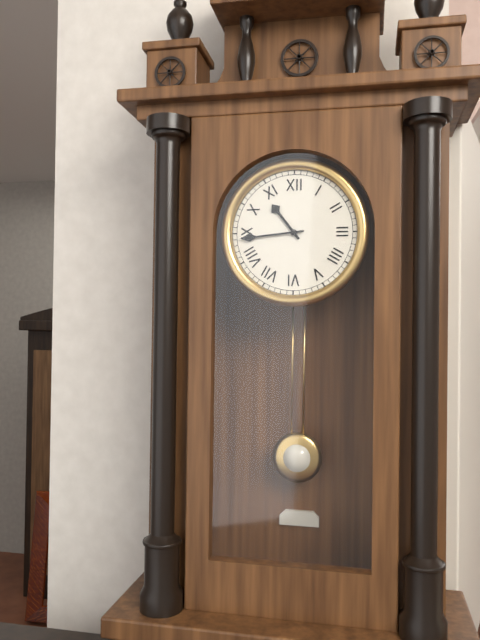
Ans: h=10 m=44
